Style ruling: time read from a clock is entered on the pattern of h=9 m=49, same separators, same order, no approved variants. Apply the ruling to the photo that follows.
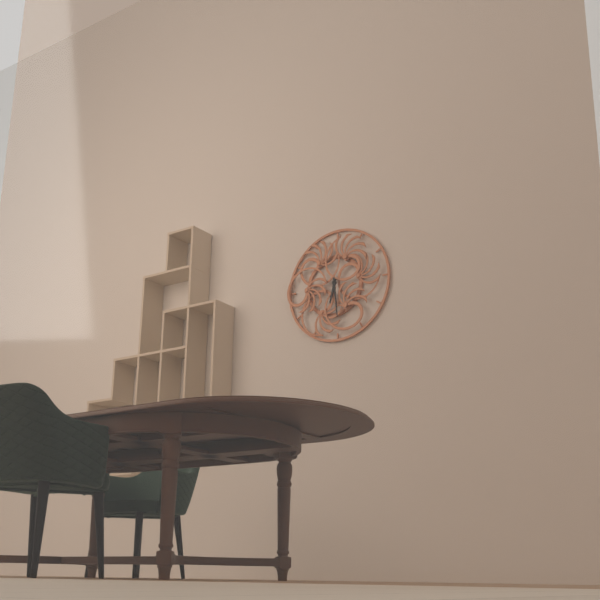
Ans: h=6 m=29
